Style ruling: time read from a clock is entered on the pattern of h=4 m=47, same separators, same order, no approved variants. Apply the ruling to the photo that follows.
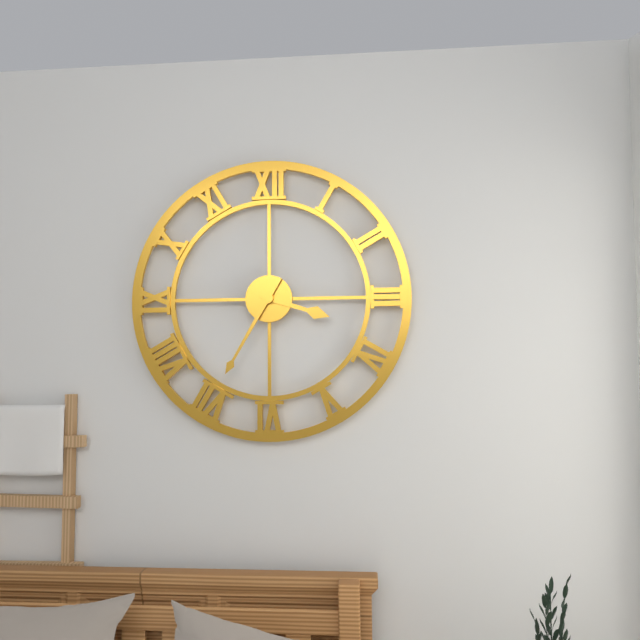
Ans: h=3 m=35
